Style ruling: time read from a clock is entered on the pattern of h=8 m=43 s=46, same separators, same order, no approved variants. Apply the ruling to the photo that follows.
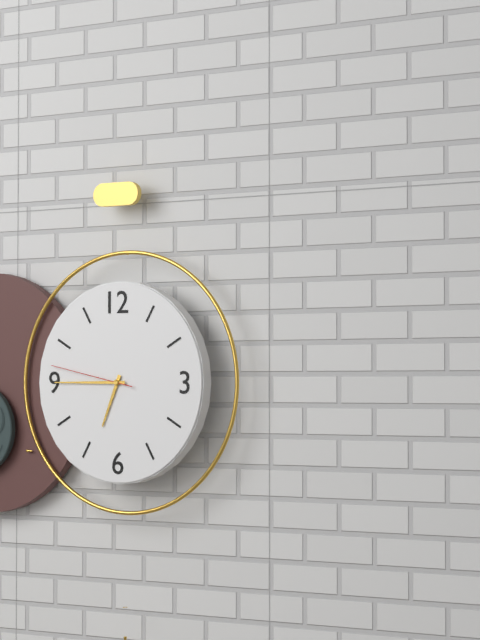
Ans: h=6 m=45 s=47
